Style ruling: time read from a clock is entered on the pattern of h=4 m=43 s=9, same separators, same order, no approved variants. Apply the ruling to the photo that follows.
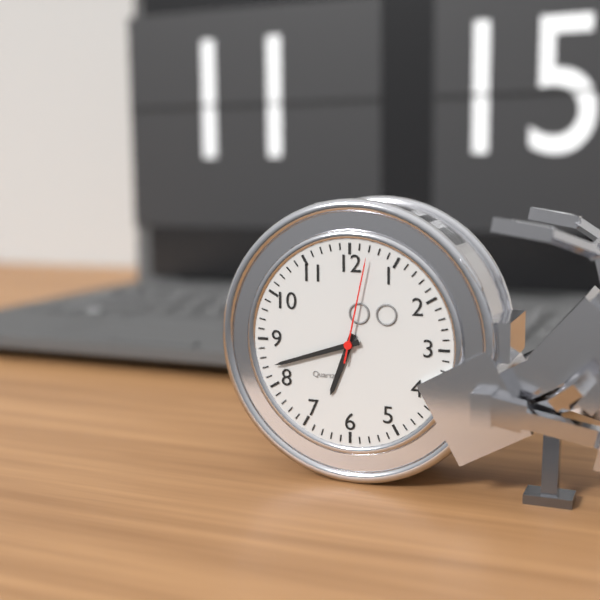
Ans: h=6 m=42 s=2
